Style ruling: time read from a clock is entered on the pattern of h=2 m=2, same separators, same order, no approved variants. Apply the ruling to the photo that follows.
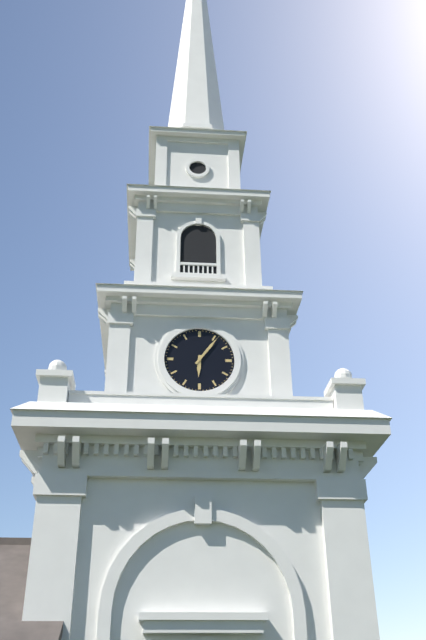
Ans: h=6 m=6
